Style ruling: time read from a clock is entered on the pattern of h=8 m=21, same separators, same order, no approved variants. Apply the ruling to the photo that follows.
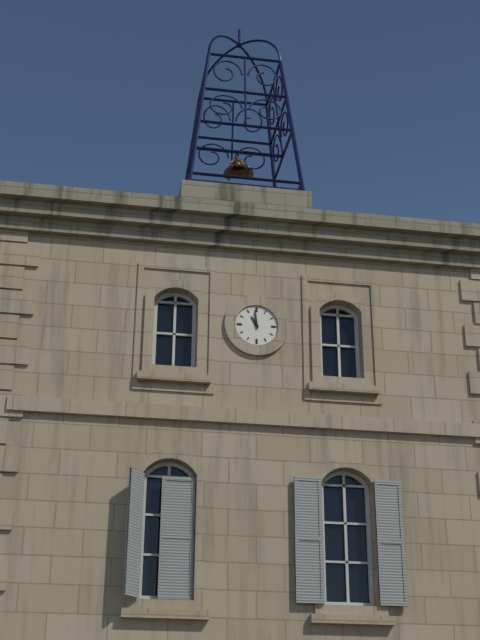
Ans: h=10 m=59
